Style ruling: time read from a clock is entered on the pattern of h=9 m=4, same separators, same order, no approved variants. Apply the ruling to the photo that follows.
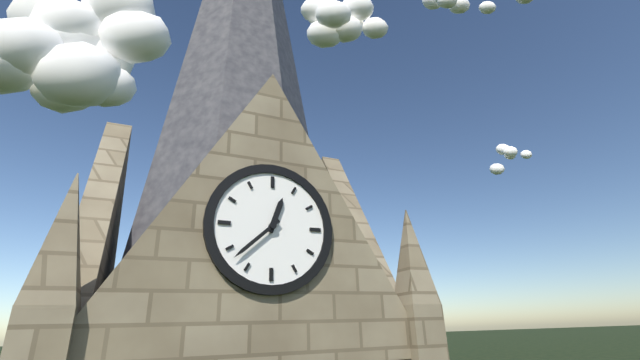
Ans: h=12 m=38
